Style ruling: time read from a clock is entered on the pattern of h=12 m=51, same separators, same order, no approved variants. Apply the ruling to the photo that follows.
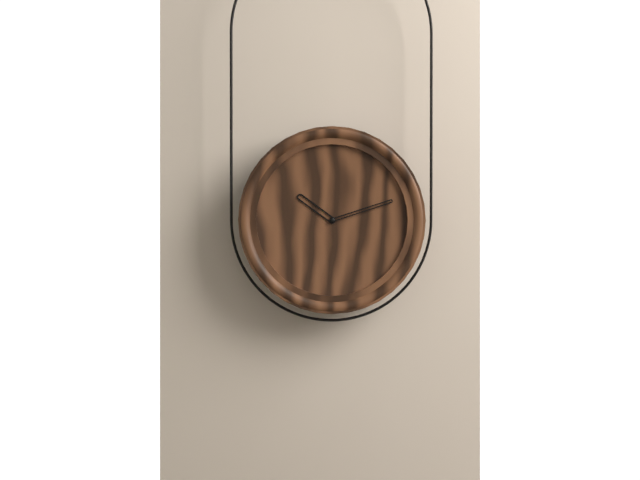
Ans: h=10 m=12
